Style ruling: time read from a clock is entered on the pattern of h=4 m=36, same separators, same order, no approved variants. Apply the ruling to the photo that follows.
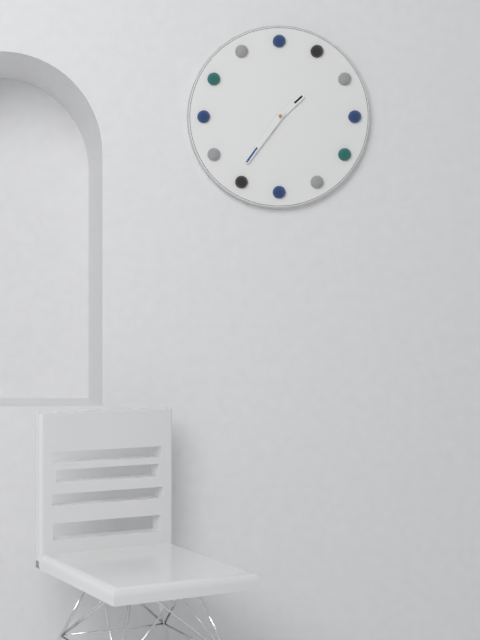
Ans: h=1 m=36
